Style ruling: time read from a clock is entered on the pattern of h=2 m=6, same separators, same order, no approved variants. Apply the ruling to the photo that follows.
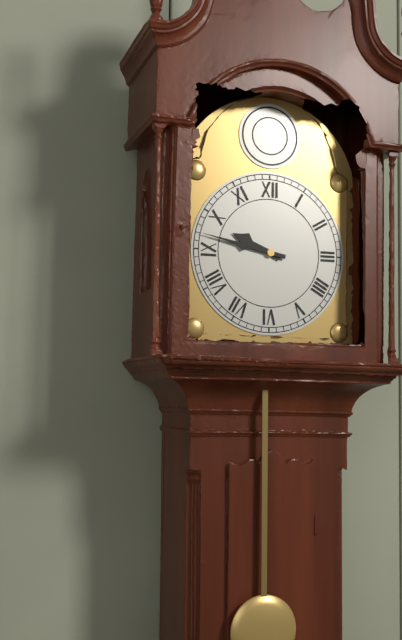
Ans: h=9 m=47
